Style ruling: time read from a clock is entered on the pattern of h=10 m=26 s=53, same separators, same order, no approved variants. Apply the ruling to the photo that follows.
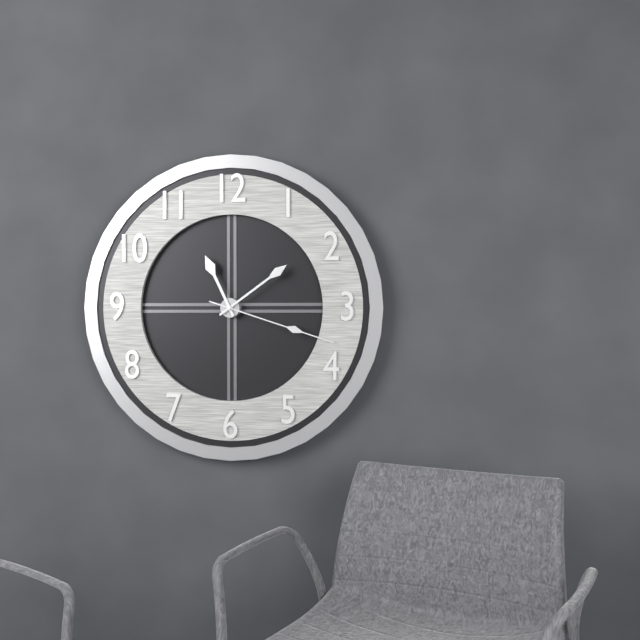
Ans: h=11 m=9 s=18
